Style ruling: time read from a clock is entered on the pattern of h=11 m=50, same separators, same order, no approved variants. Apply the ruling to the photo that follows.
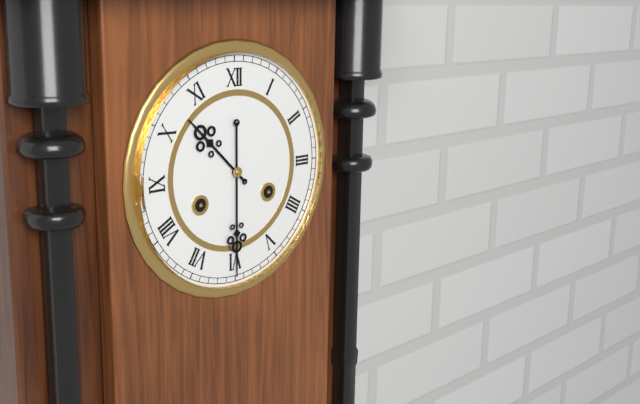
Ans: h=10 m=30
